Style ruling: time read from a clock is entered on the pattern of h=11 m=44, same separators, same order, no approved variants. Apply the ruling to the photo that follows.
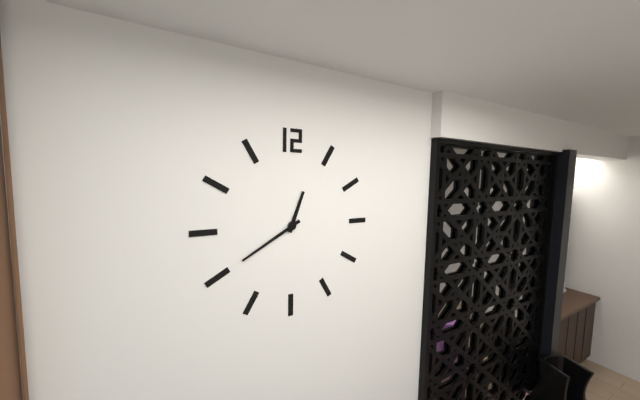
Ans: h=12 m=40
